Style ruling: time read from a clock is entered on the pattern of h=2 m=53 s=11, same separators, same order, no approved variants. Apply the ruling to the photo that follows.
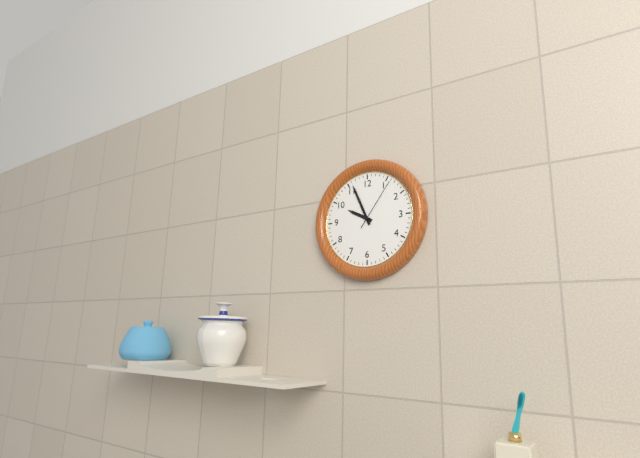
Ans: h=9 m=56 s=6
